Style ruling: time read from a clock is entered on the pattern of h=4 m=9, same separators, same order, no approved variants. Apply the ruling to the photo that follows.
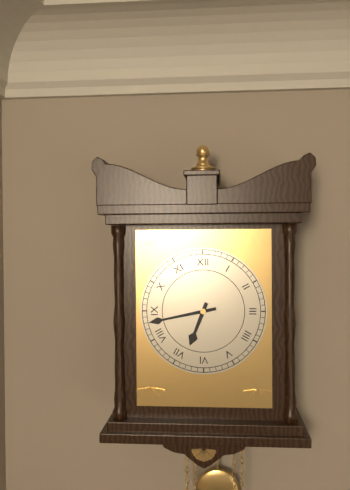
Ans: h=6 m=43
